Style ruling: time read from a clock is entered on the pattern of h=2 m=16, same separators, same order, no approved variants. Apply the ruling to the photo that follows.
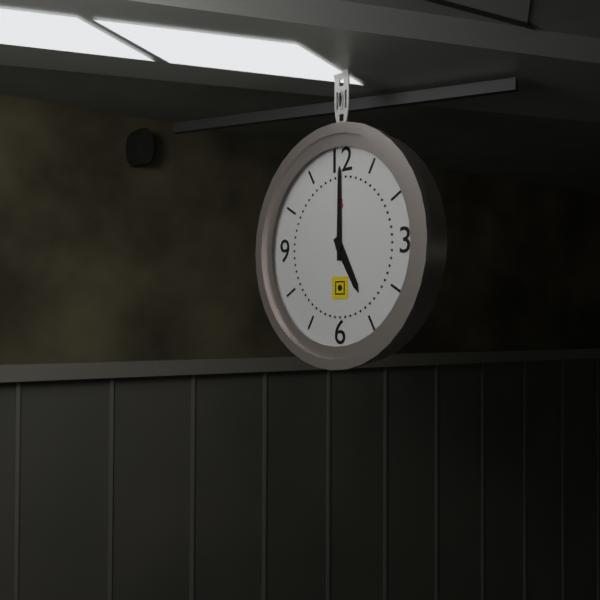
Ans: h=5 m=0
